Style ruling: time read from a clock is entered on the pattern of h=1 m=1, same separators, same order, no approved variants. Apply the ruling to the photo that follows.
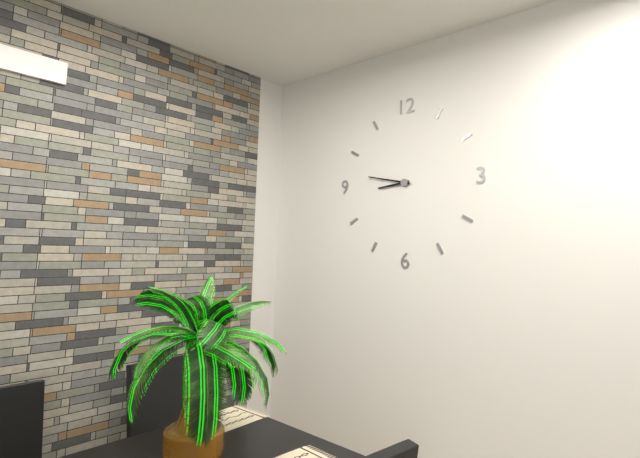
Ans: h=8 m=47
